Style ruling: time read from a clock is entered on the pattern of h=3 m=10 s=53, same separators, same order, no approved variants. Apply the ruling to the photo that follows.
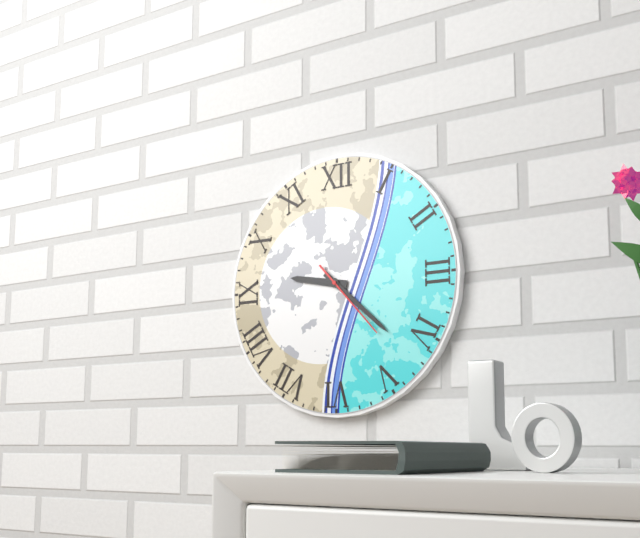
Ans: h=9 m=22 s=23
